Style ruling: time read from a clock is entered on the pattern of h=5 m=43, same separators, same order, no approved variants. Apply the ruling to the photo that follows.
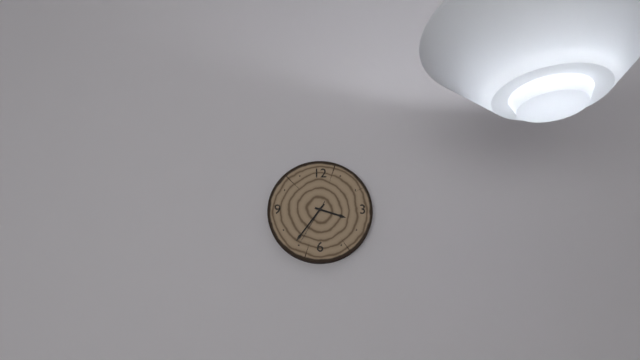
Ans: h=3 m=36
